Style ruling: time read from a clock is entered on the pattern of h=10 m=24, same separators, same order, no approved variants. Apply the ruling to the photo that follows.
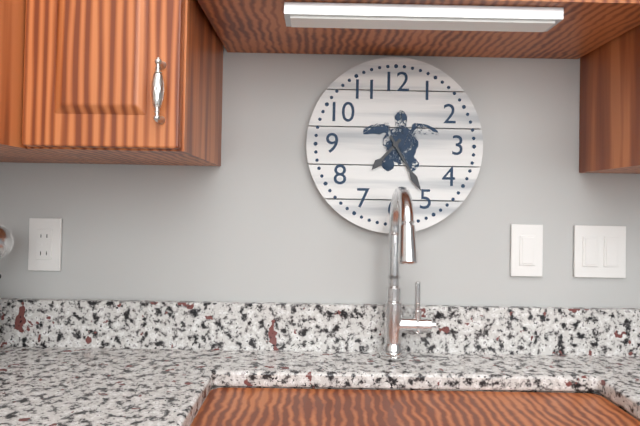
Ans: h=7 m=25
